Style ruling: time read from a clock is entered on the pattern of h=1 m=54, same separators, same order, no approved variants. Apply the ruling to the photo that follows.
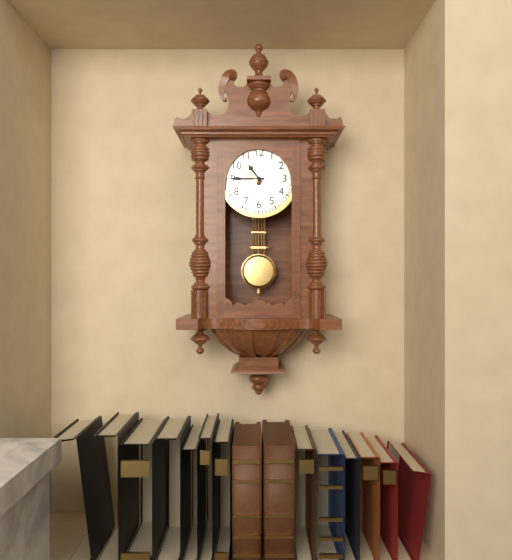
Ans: h=10 m=45
